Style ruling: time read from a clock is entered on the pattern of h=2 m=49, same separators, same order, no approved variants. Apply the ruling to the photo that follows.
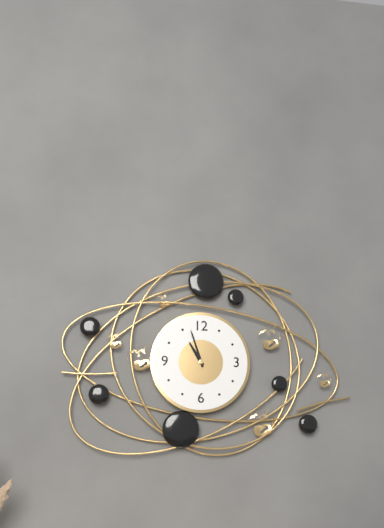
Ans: h=10 m=57
